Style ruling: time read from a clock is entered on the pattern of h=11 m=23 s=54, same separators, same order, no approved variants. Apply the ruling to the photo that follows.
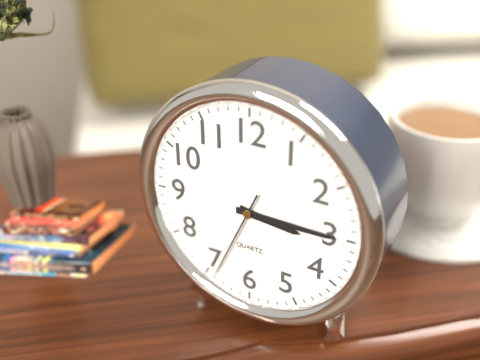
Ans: h=3 m=15 s=34
